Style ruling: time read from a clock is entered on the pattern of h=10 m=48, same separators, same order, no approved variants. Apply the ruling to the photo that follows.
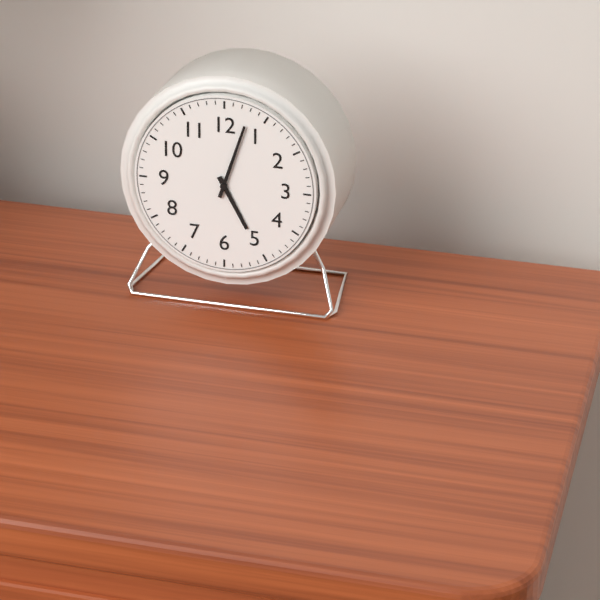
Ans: h=5 m=3
